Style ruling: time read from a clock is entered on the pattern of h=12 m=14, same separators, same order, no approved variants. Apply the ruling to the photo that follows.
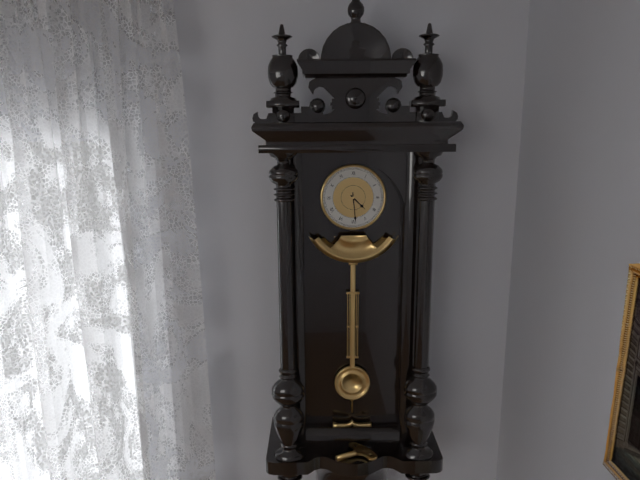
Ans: h=4 m=29
